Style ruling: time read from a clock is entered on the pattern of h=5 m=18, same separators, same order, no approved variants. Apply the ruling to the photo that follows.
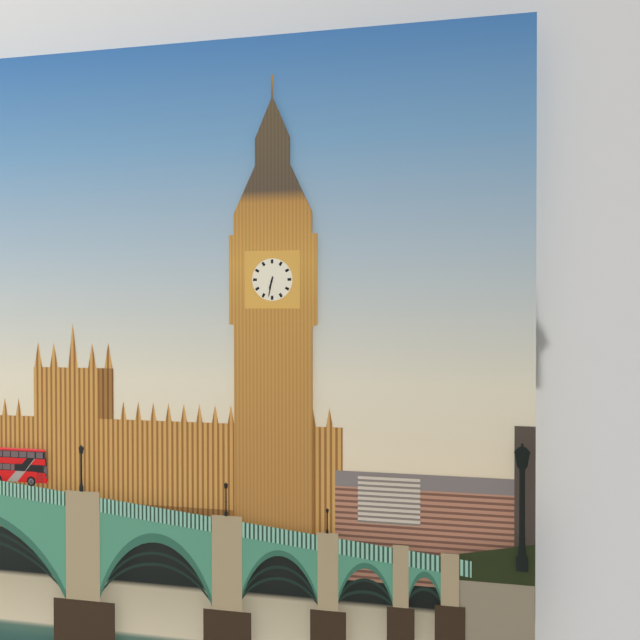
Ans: h=6 m=32
